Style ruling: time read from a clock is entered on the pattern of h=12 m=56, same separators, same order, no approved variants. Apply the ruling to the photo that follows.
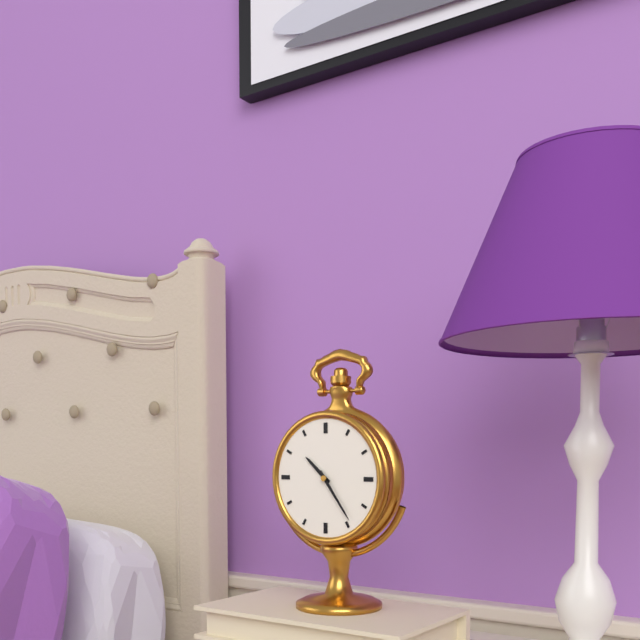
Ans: h=10 m=24
